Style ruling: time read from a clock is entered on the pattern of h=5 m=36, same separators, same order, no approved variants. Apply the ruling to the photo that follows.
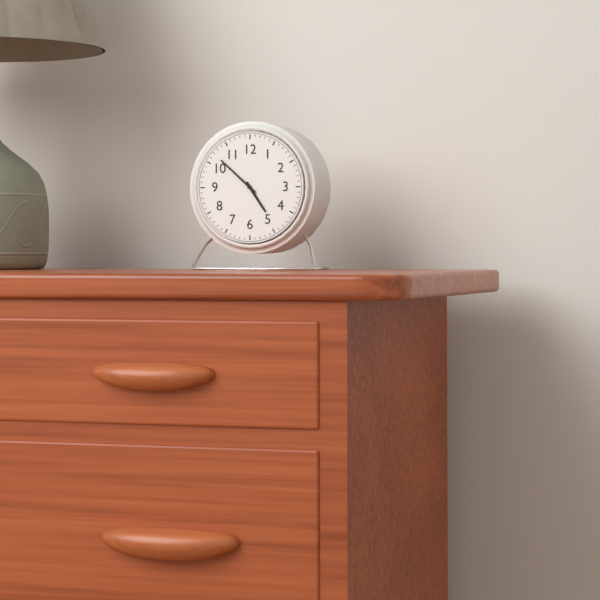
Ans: h=4 m=52
